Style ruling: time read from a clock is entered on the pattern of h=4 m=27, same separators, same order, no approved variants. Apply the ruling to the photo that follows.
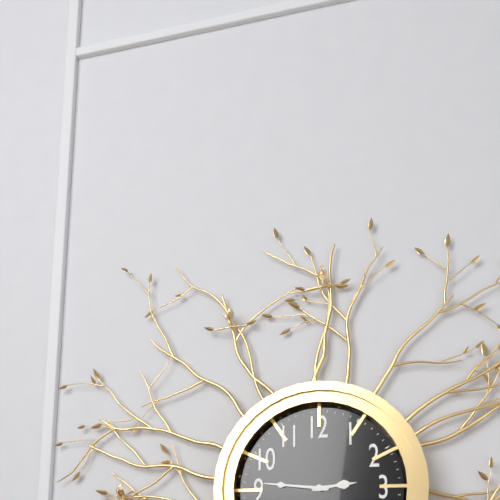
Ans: h=2 m=46
